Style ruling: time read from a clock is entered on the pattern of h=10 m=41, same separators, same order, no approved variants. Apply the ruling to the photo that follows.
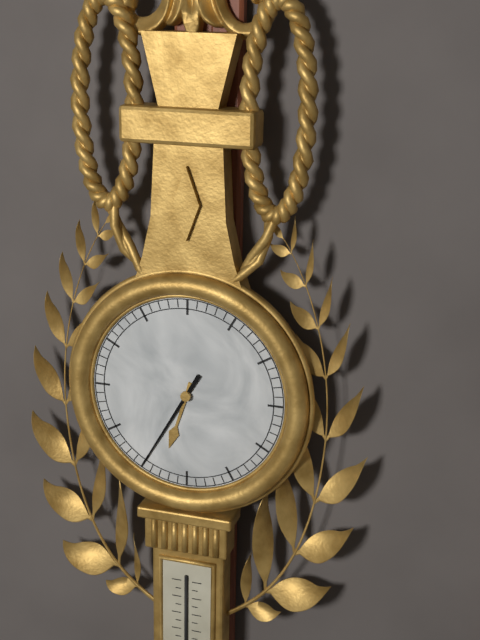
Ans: h=6 m=35
